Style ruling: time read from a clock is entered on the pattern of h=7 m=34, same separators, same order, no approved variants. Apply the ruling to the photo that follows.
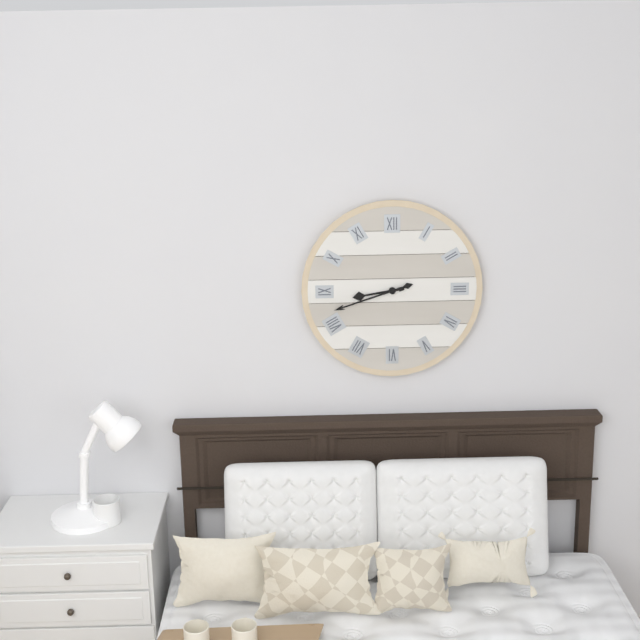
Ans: h=8 m=42
